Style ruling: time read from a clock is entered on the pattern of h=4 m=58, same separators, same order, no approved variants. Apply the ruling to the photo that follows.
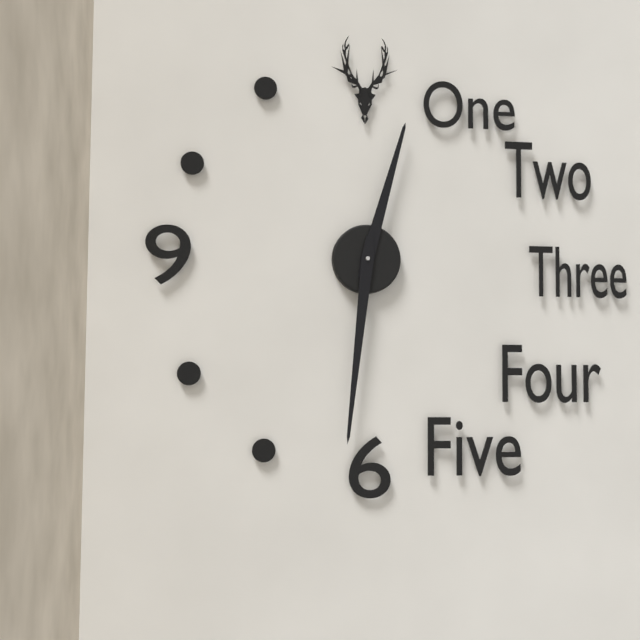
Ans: h=12 m=31
